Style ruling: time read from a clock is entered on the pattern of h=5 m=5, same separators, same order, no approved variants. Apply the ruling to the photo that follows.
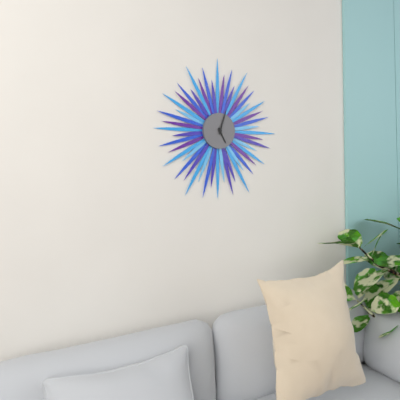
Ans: h=5 m=3
